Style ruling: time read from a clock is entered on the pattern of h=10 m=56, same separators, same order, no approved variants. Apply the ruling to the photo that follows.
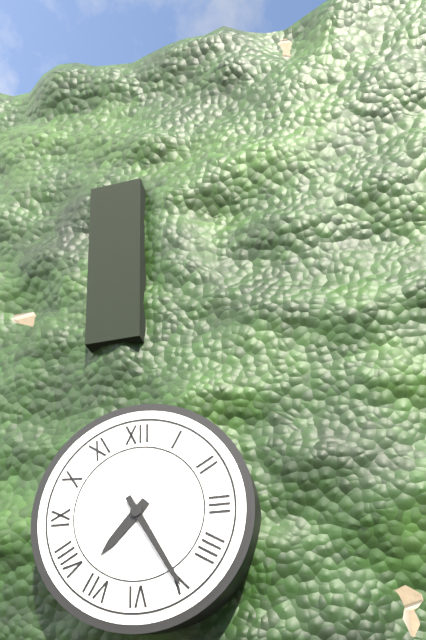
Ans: h=7 m=25
